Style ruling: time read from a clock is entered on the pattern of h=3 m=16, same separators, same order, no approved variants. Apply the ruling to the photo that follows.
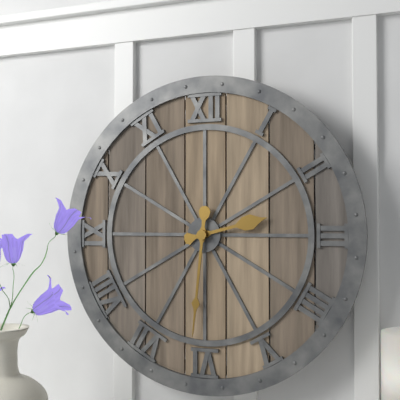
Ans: h=2 m=31
